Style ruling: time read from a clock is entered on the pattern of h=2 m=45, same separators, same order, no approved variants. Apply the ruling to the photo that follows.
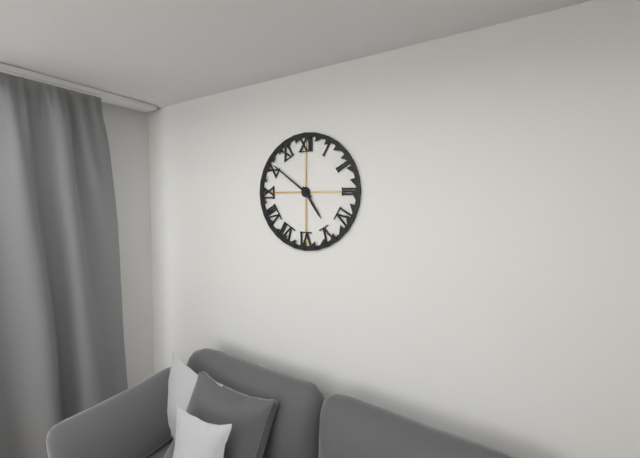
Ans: h=4 m=51
